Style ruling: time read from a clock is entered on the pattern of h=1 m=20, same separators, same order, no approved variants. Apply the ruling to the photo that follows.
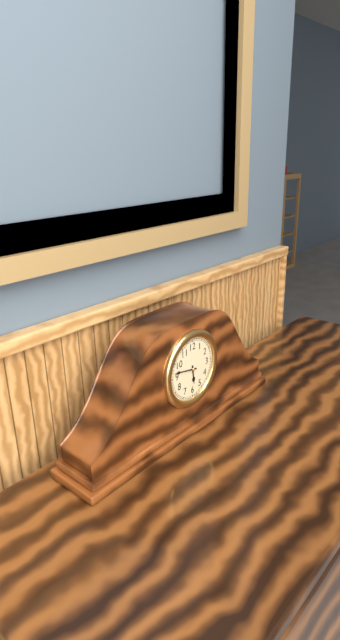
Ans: h=5 m=47
